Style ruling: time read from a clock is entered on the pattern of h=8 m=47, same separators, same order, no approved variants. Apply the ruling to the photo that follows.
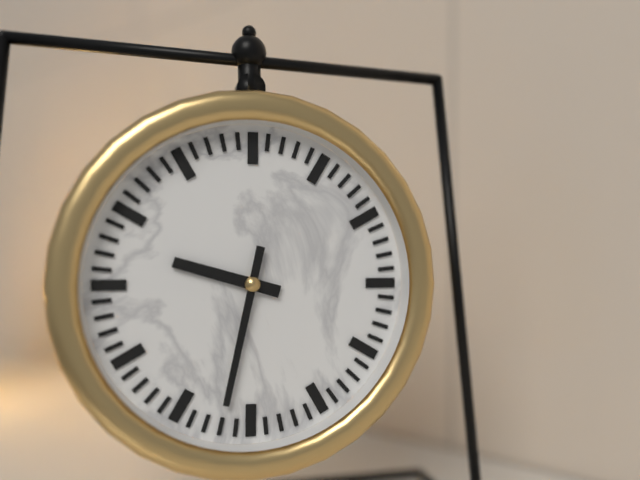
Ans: h=9 m=32
